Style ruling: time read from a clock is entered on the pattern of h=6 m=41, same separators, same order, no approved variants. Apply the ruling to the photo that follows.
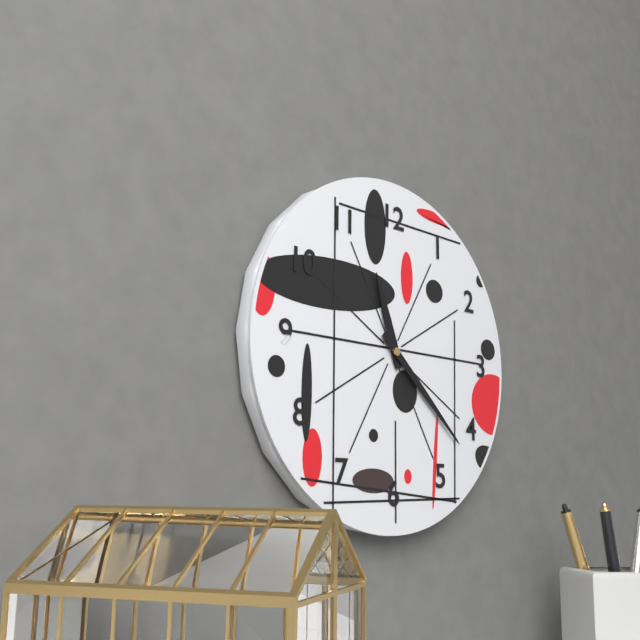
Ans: h=11 m=22
